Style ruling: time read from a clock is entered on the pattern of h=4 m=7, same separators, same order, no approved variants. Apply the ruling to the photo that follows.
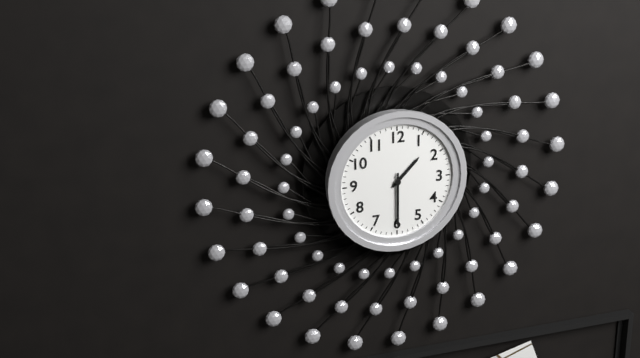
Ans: h=1 m=30
